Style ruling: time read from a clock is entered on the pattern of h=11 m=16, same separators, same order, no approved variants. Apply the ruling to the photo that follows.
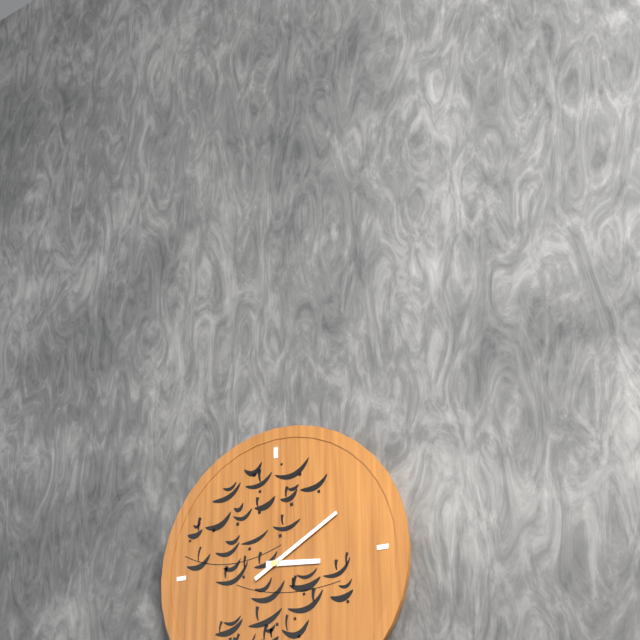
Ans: h=3 m=10
